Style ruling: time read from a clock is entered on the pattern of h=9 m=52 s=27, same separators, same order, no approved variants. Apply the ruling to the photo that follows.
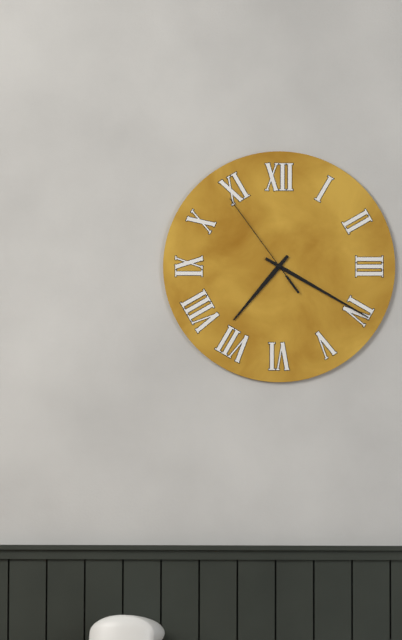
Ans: h=7 m=20 s=54
